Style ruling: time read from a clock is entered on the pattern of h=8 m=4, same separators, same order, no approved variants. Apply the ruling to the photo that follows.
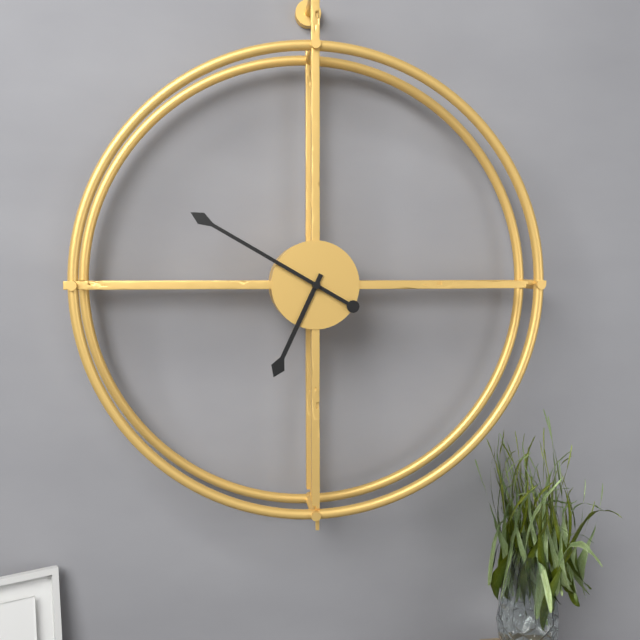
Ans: h=6 m=50
